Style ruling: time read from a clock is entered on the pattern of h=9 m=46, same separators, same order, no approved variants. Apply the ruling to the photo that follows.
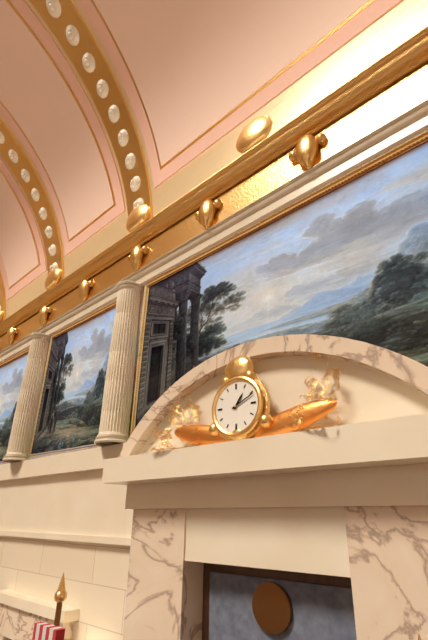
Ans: h=1 m=11
